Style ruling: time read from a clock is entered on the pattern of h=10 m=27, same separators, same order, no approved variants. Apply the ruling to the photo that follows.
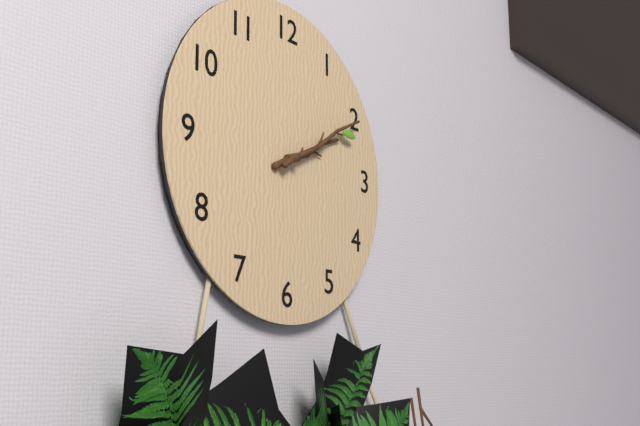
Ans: h=2 m=10
